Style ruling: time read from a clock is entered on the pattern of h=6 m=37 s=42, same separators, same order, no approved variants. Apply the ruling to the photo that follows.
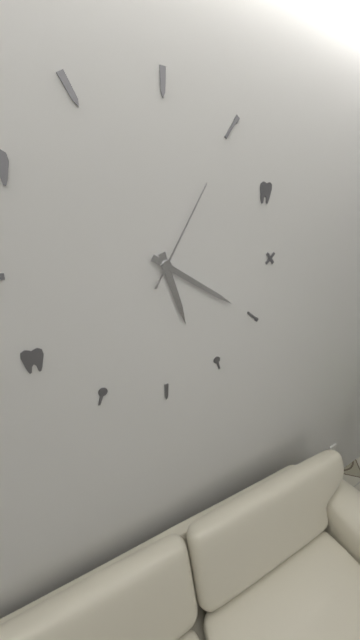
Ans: h=5 m=20 s=5
